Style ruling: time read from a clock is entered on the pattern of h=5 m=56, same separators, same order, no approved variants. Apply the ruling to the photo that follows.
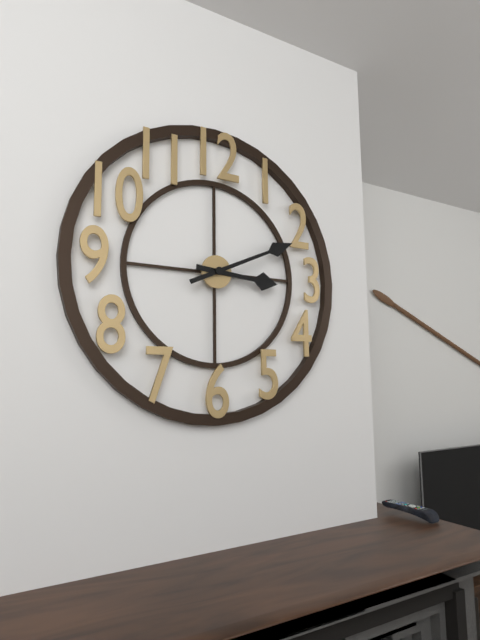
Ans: h=3 m=11
